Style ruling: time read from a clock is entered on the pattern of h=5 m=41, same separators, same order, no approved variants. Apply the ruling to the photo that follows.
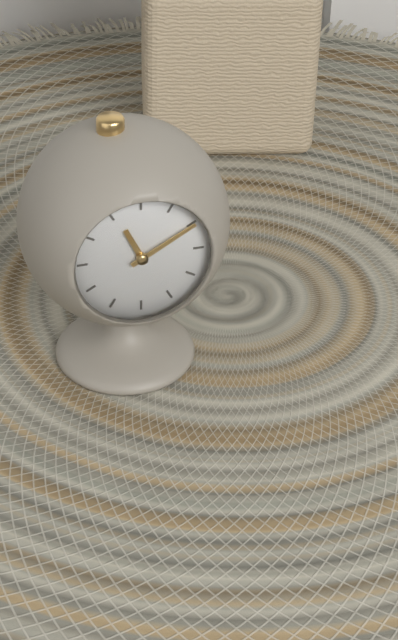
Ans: h=11 m=10
